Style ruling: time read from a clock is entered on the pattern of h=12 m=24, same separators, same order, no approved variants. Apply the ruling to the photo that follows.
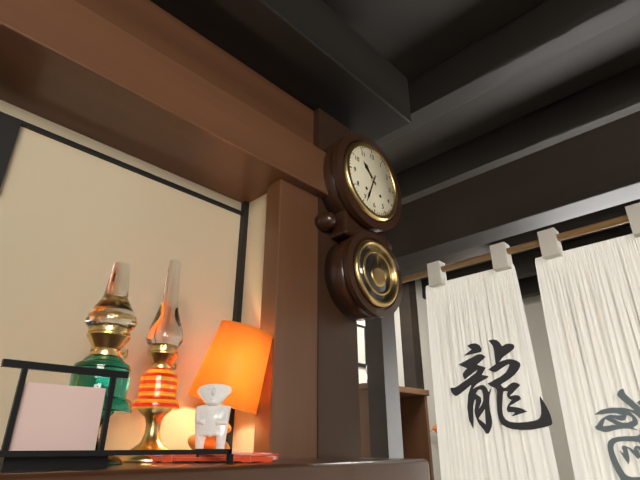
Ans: h=10 m=34
